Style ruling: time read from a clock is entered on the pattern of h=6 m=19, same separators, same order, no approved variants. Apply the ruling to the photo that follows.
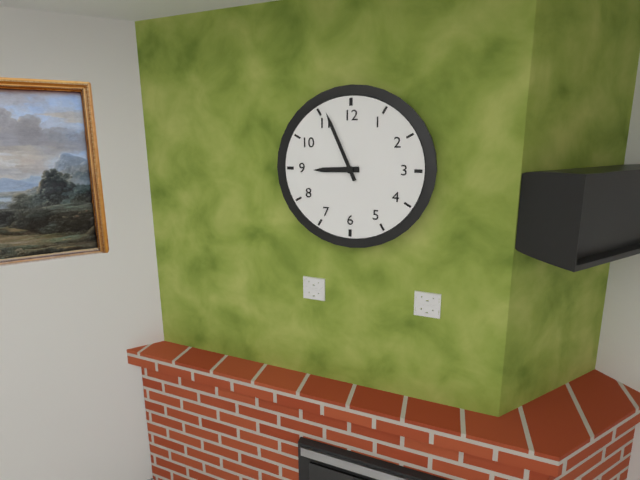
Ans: h=8 m=56
